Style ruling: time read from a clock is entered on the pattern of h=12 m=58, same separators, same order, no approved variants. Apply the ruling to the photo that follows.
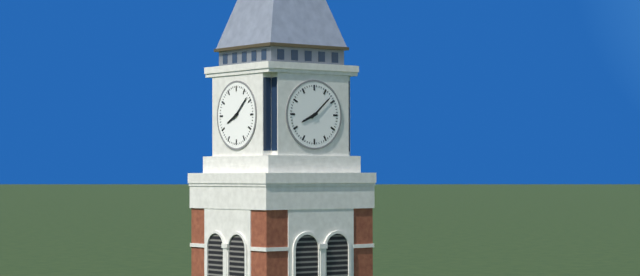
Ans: h=8 m=8
